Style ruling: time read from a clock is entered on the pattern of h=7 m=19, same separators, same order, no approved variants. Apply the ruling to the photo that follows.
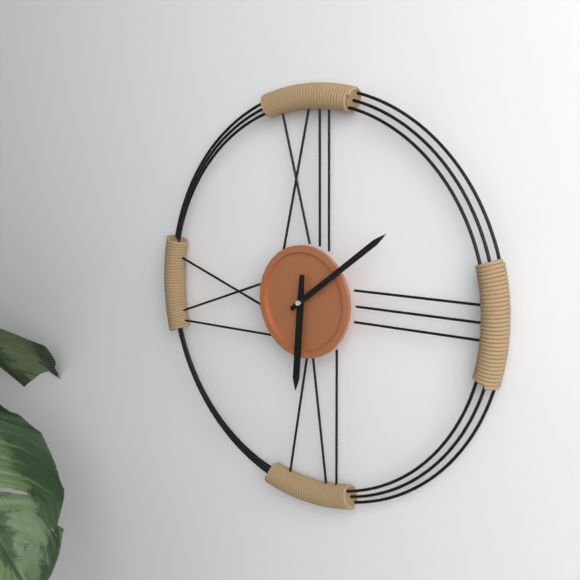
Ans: h=6 m=9
